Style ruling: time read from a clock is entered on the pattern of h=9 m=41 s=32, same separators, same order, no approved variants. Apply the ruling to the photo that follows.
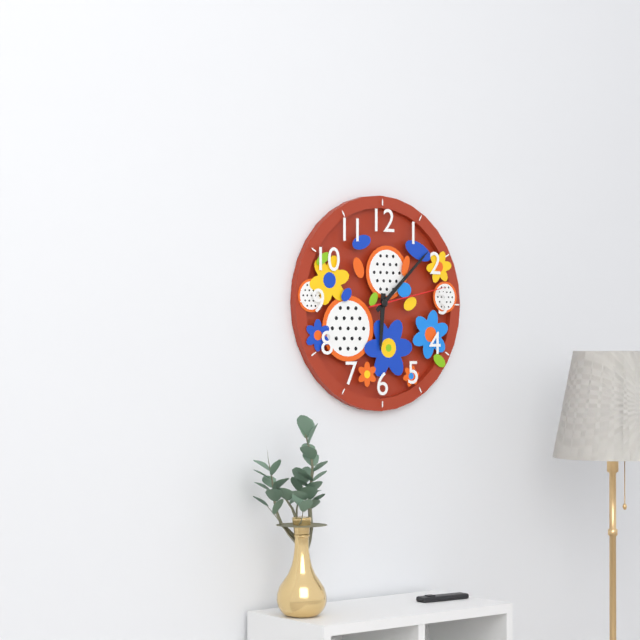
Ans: h=6 m=8 s=13
